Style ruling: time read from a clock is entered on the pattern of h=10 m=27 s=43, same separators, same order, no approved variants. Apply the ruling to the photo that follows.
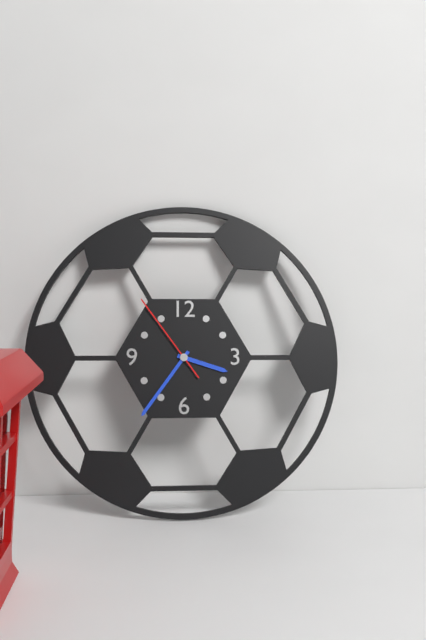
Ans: h=3 m=36 s=54
